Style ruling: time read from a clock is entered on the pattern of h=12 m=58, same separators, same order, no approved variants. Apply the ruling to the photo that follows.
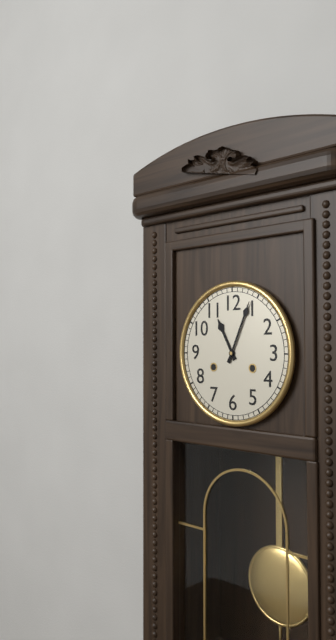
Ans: h=11 m=4
